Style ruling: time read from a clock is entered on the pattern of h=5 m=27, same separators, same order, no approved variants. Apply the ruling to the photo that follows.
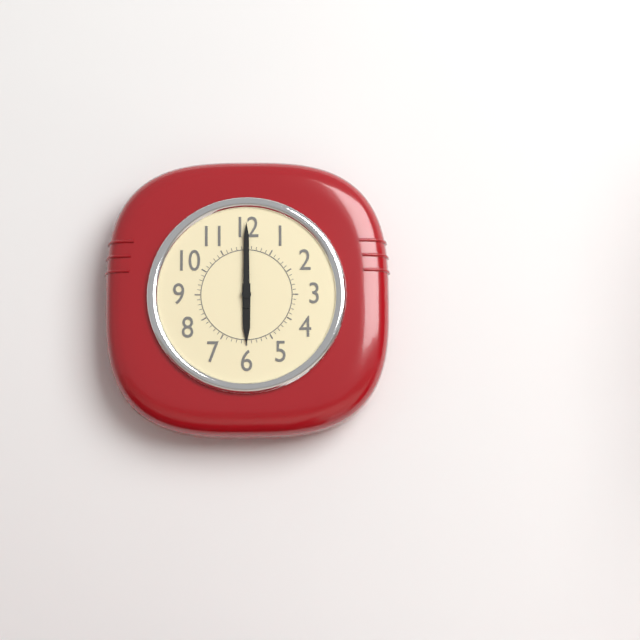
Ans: h=6 m=0
